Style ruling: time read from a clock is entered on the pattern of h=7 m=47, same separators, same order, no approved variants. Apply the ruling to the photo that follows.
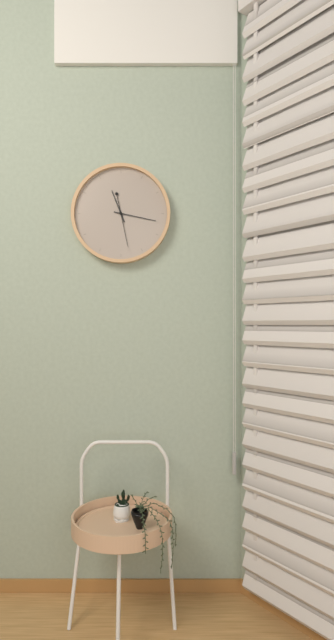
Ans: h=11 m=17
